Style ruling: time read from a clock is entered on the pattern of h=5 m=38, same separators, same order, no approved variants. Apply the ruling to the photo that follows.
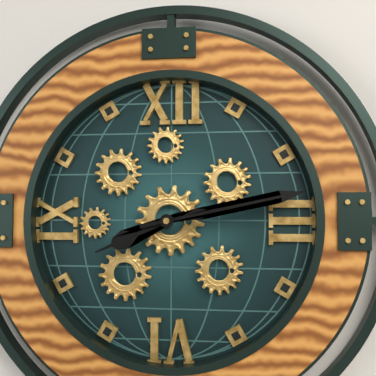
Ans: h=8 m=13
